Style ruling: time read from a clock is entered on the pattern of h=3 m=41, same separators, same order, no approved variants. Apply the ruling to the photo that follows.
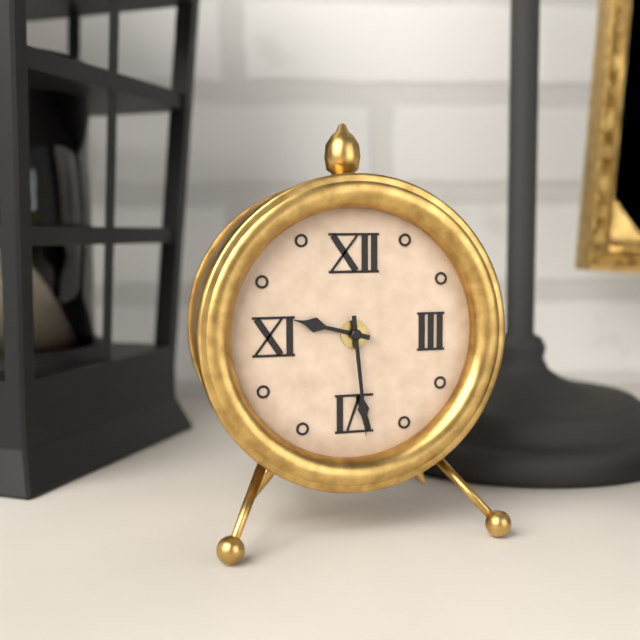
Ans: h=9 m=29
